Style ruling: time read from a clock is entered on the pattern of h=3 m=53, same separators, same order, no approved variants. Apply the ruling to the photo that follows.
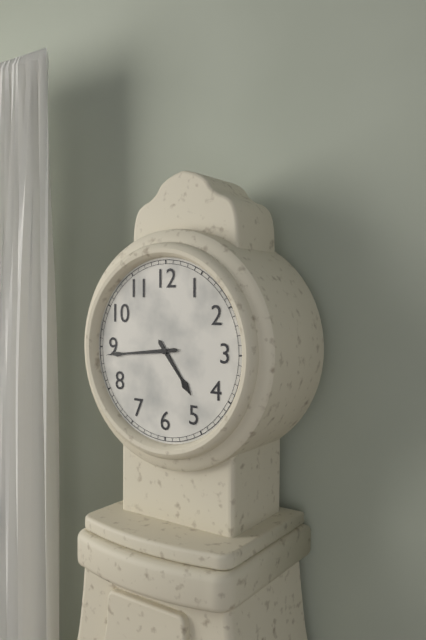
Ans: h=4 m=44
